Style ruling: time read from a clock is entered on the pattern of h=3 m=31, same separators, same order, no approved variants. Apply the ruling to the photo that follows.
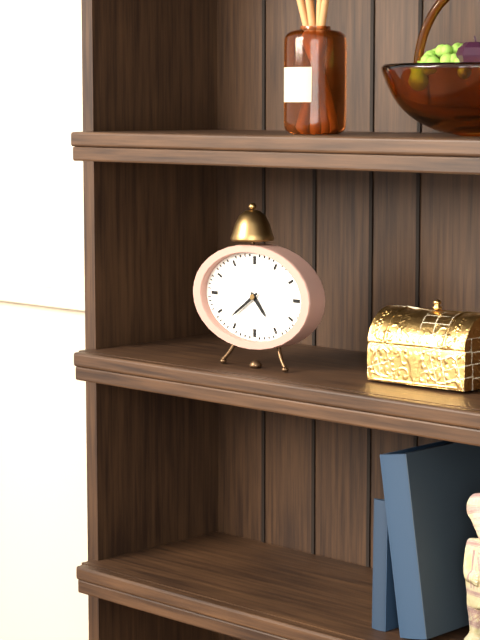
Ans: h=4 m=39
